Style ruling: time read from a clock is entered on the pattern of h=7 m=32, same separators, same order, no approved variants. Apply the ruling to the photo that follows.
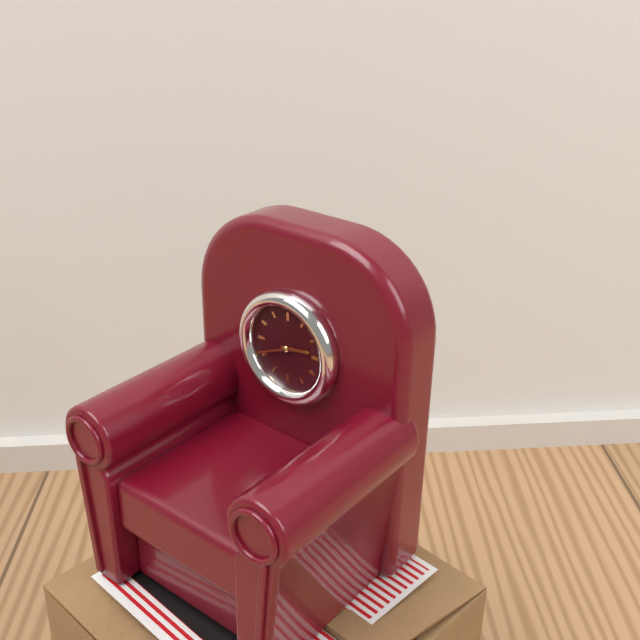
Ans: h=2 m=41
